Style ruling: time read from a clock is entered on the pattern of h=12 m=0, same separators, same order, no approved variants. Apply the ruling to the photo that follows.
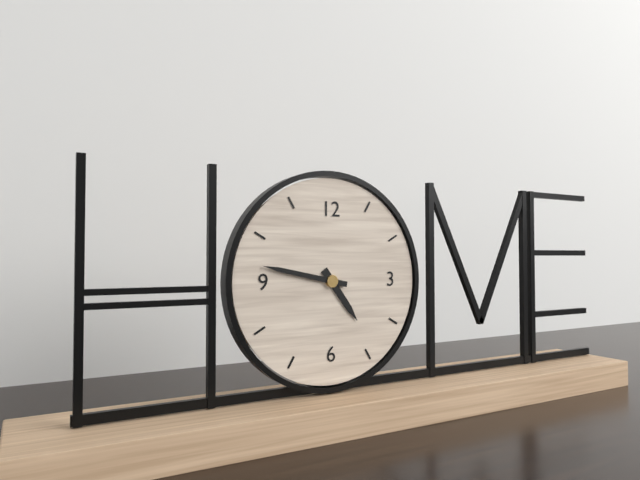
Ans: h=4 m=47
